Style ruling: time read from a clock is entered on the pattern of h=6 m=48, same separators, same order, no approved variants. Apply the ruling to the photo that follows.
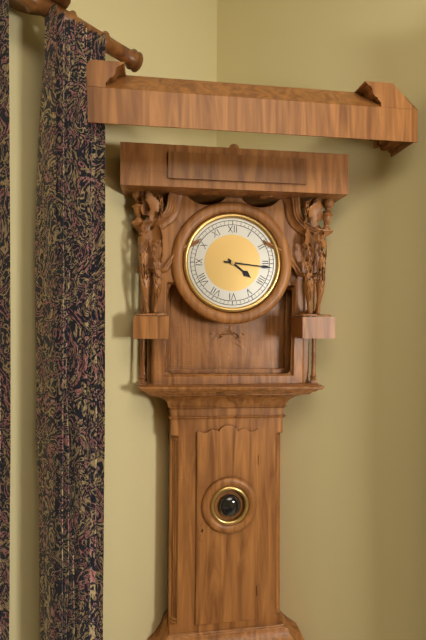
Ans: h=4 m=16
